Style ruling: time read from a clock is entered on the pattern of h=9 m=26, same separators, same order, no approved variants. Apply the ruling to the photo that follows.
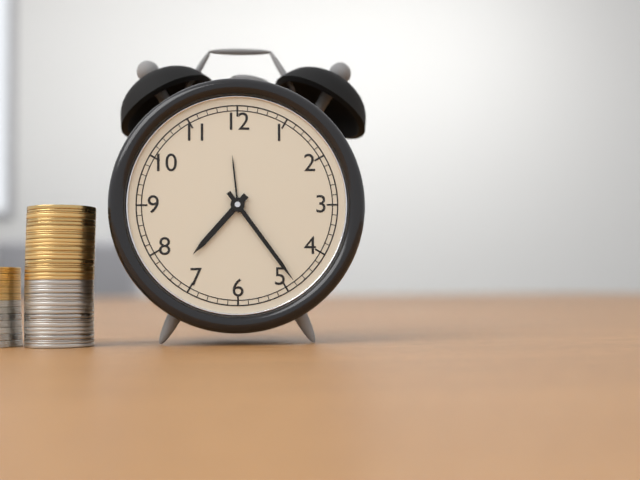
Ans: h=7 m=24
